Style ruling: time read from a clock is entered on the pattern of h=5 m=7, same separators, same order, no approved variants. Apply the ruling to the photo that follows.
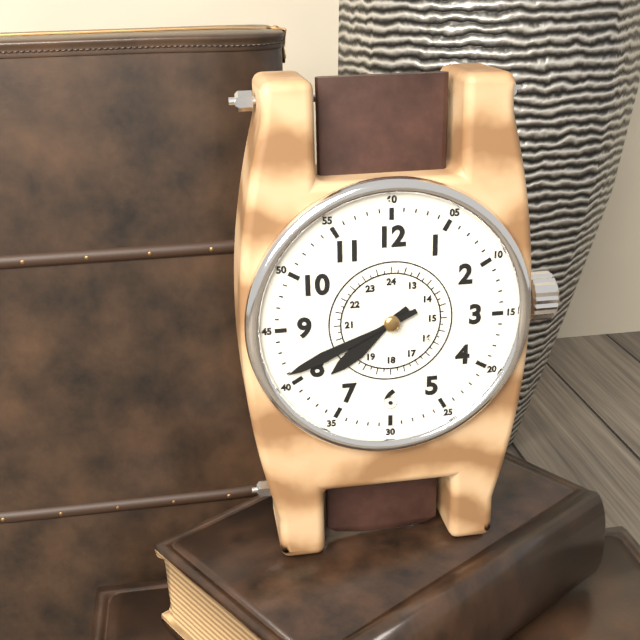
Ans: h=7 m=41
